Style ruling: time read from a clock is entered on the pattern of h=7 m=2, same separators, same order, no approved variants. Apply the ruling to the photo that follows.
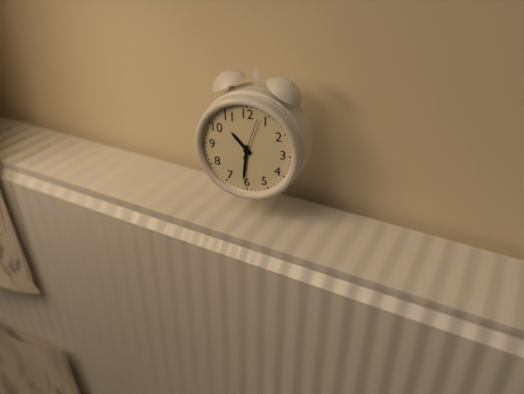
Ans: h=10 m=31
